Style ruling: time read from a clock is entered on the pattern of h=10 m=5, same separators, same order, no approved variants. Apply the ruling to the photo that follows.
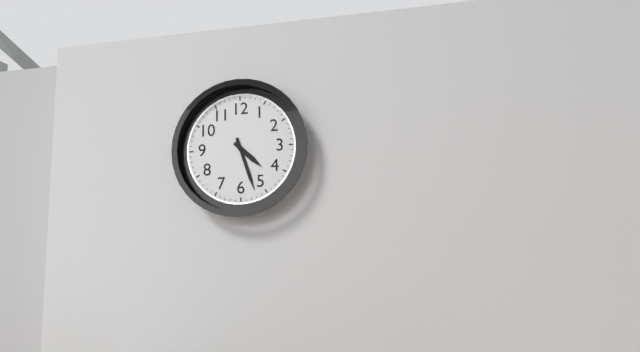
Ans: h=4 m=27
